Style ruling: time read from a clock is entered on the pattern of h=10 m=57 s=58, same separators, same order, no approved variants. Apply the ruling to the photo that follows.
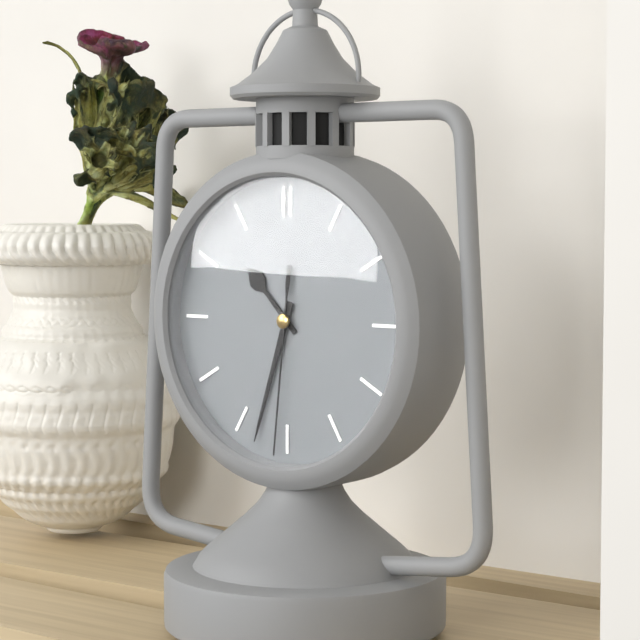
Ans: h=10 m=33 s=31
